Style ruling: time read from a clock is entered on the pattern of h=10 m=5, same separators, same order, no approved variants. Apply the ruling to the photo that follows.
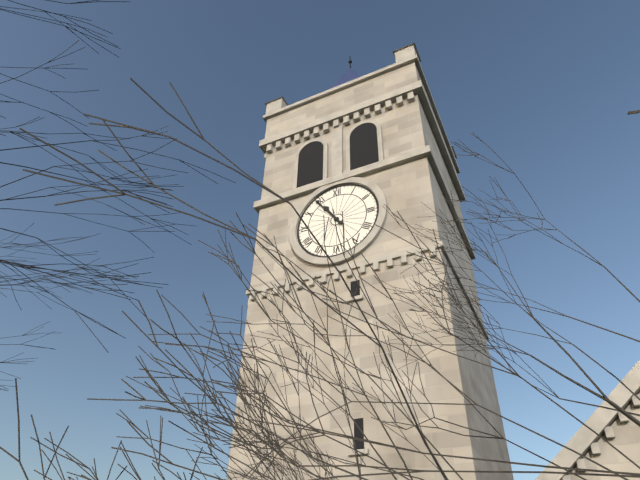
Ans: h=10 m=54
